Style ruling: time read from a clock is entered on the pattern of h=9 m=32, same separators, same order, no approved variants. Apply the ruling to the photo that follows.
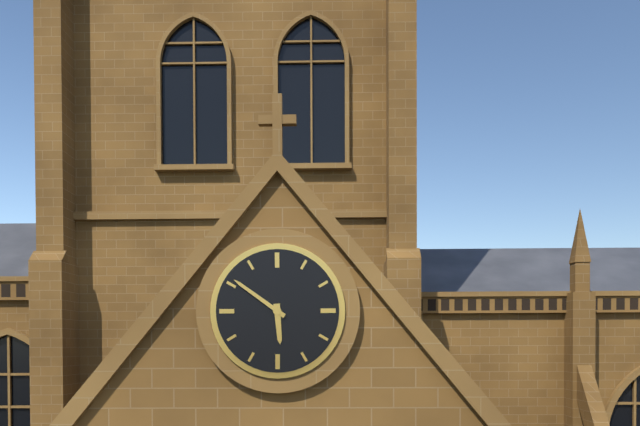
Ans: h=5 m=51
